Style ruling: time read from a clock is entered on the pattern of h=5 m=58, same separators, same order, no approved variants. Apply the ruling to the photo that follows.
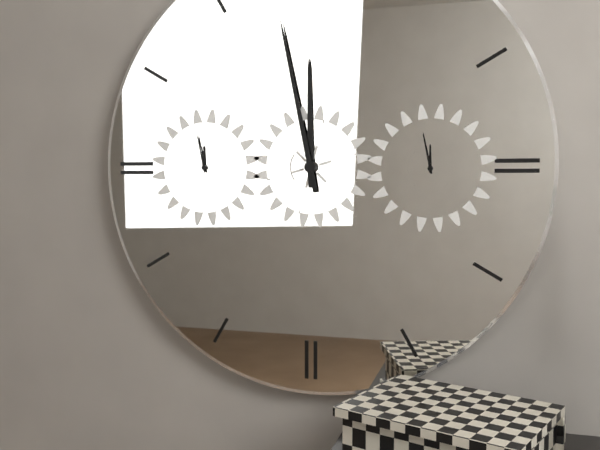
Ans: h=11 m=58
